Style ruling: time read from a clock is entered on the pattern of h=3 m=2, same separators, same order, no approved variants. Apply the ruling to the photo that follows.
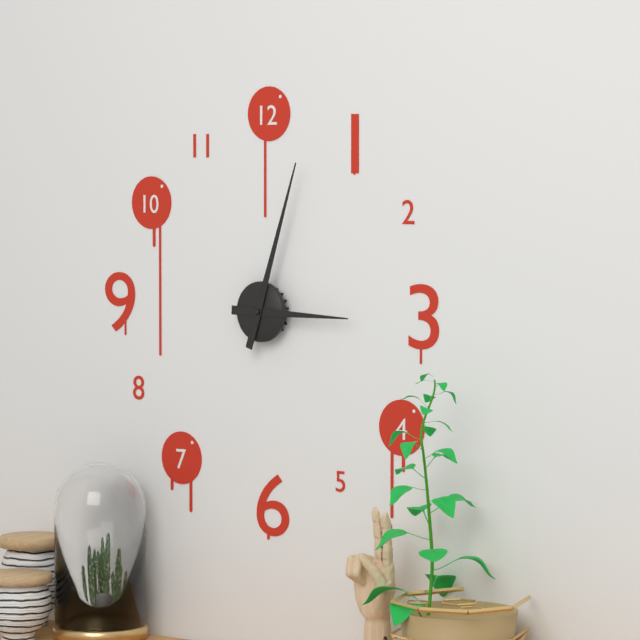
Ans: h=3 m=3
